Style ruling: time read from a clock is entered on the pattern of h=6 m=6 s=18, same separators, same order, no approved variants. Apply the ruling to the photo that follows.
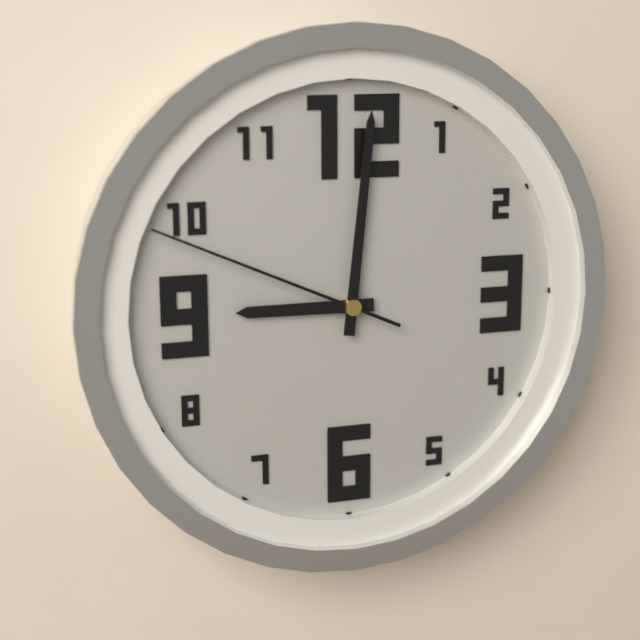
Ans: h=9 m=1 s=49
